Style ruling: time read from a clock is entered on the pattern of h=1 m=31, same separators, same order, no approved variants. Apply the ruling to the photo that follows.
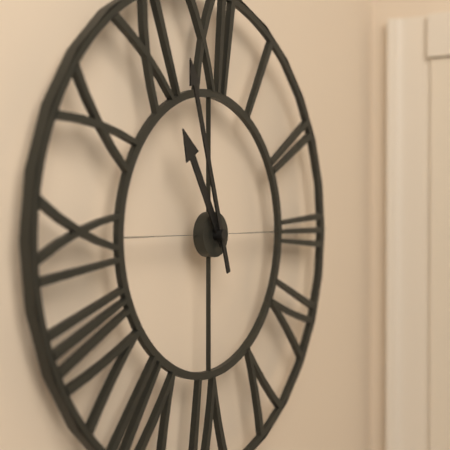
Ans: h=10 m=57
